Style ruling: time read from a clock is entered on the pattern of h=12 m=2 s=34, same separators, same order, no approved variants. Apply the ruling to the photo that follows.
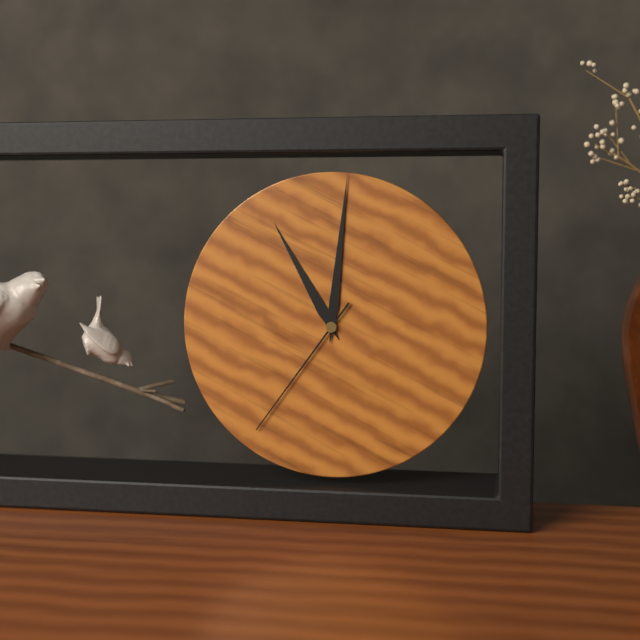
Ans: h=11 m=1 s=36
